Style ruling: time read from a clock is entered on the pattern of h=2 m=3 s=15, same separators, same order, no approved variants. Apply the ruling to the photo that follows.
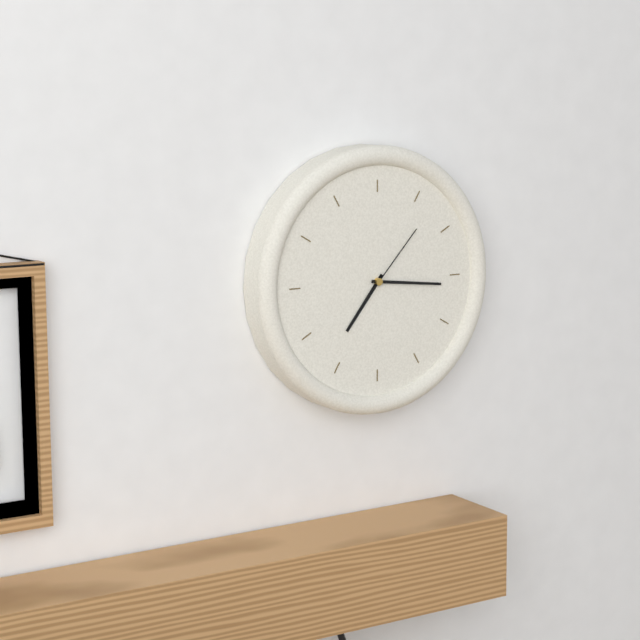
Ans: h=7 m=16 s=7
